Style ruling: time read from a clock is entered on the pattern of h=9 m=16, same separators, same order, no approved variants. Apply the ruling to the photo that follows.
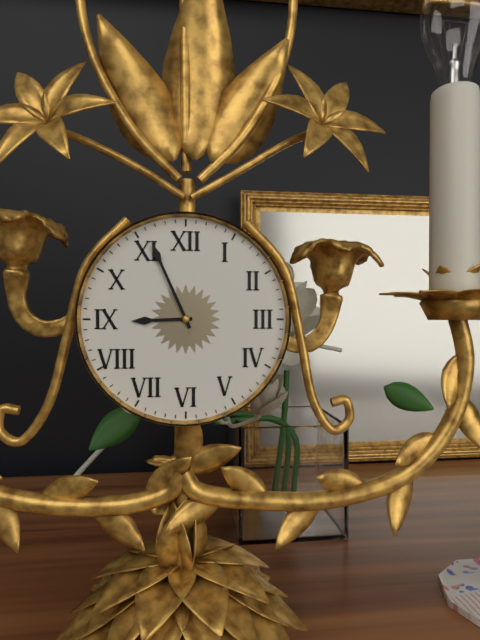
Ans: h=8 m=56
